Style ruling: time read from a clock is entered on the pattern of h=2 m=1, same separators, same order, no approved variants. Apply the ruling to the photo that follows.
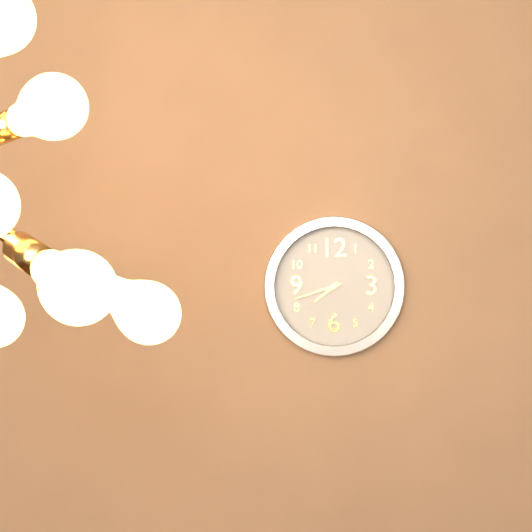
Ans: h=7 m=42
